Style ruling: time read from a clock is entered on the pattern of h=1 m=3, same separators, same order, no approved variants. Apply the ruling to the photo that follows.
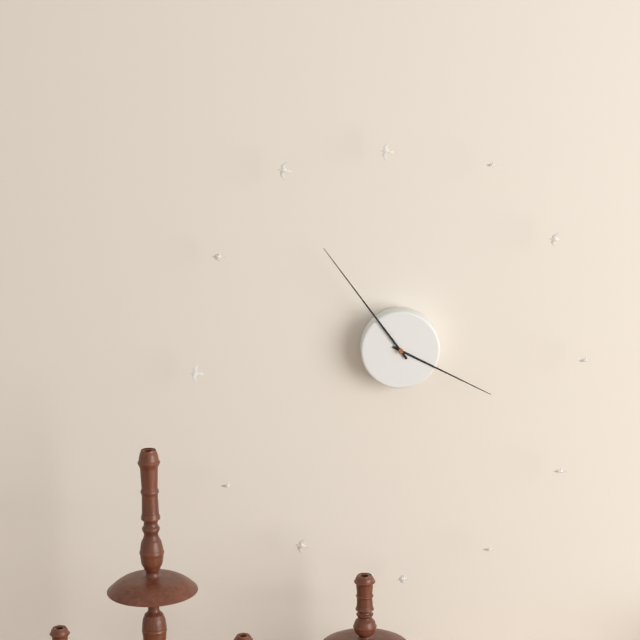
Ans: h=3 m=54
